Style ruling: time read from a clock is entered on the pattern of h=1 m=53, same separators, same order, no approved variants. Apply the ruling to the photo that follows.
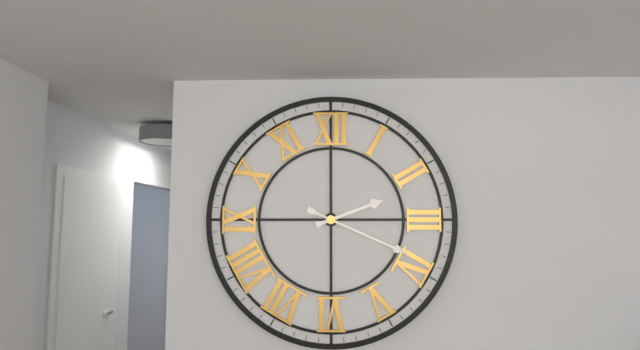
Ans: h=2 m=19
